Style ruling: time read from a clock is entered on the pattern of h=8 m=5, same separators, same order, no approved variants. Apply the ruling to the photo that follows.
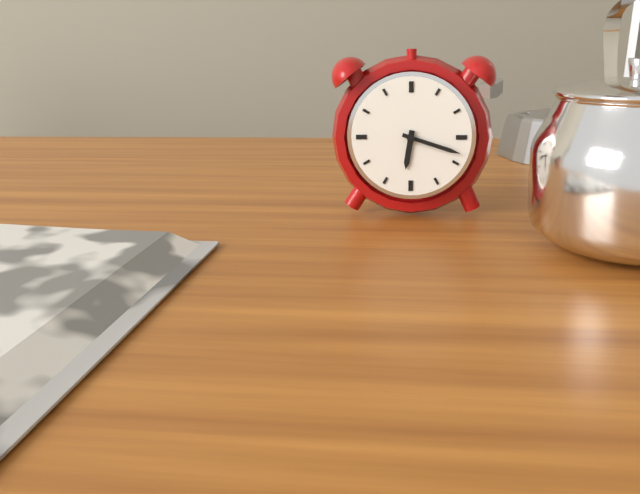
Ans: h=6 m=18
